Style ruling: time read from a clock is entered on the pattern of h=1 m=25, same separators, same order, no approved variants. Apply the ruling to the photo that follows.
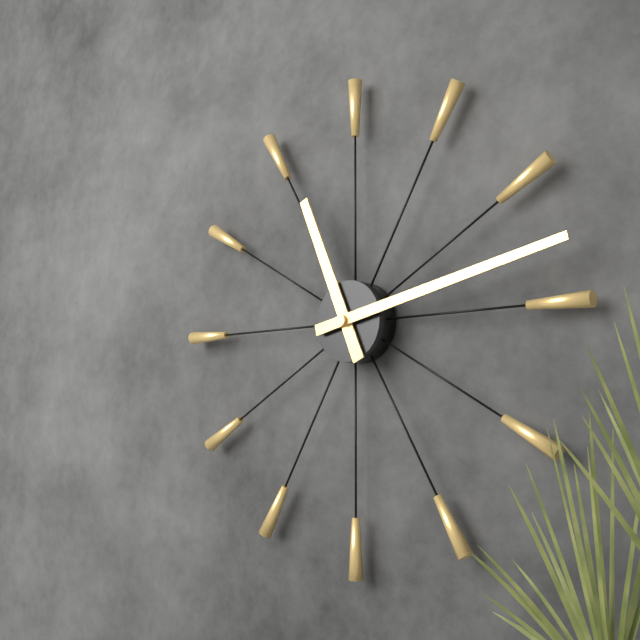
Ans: h=11 m=13
